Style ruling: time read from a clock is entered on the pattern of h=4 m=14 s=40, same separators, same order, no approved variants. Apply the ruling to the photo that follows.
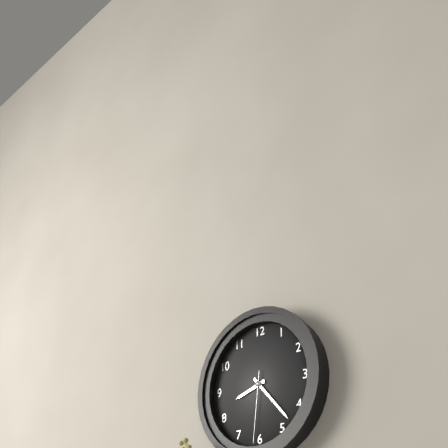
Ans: h=8 m=23 s=31
